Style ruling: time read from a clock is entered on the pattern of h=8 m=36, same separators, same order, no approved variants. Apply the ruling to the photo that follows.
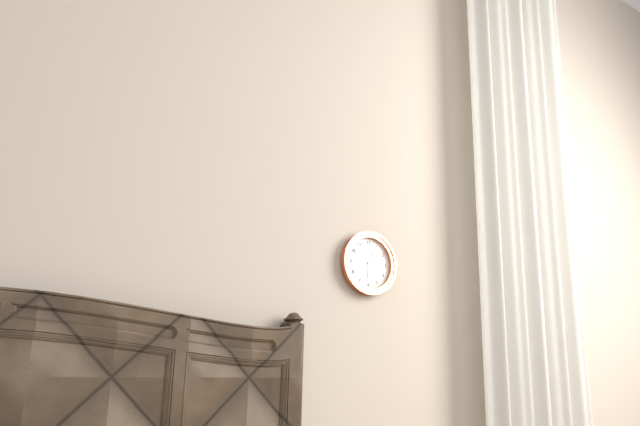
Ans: h=6 m=5
